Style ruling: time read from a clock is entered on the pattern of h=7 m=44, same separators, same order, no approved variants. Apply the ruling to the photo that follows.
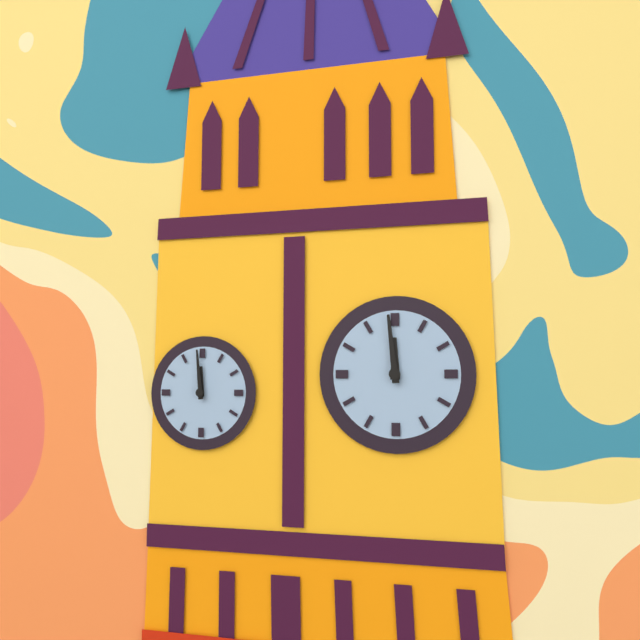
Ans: h=11 m=59
